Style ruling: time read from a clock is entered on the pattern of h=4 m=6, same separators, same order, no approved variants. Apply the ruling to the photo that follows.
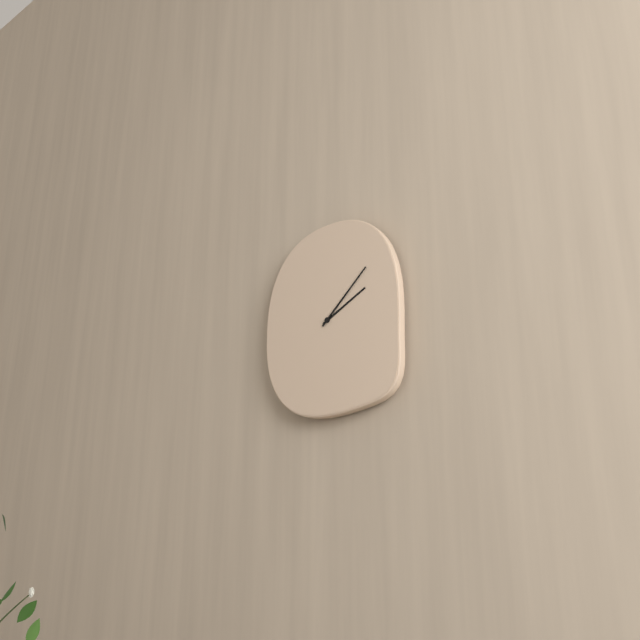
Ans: h=2 m=8
